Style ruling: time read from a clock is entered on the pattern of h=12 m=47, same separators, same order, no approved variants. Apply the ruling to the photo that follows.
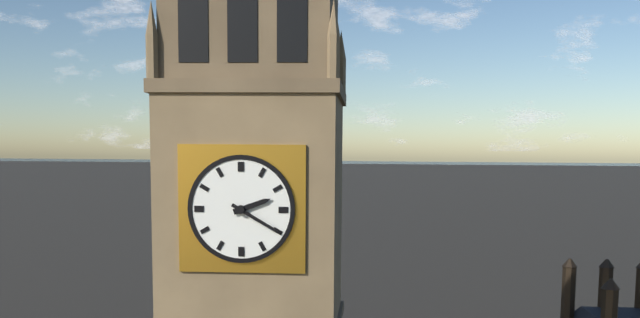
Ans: h=2 m=20
